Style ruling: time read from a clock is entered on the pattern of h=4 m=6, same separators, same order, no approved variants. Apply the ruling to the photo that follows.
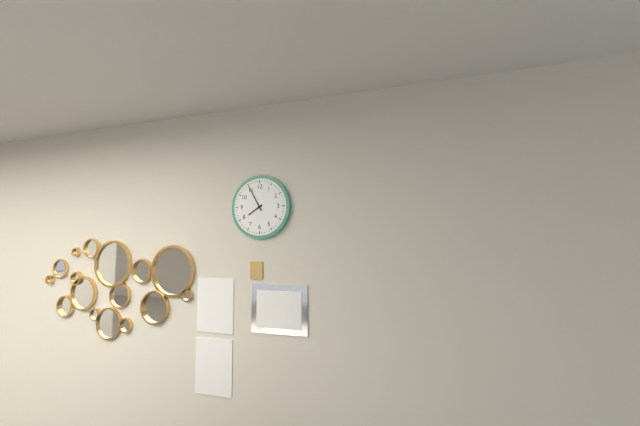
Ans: h=7 m=55
